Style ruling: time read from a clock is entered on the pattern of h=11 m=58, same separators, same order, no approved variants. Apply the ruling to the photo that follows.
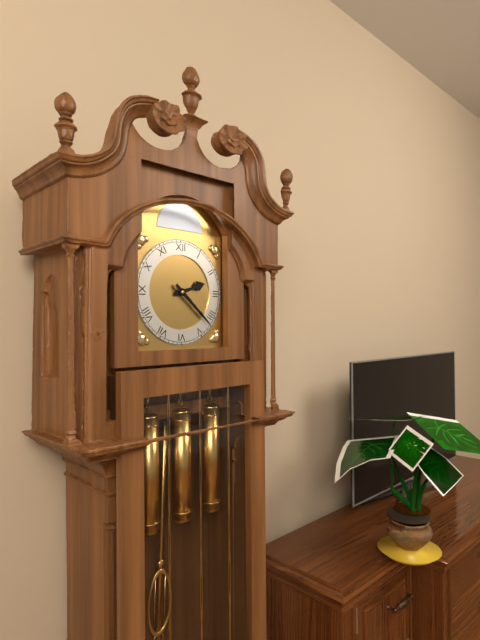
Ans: h=2 m=22
